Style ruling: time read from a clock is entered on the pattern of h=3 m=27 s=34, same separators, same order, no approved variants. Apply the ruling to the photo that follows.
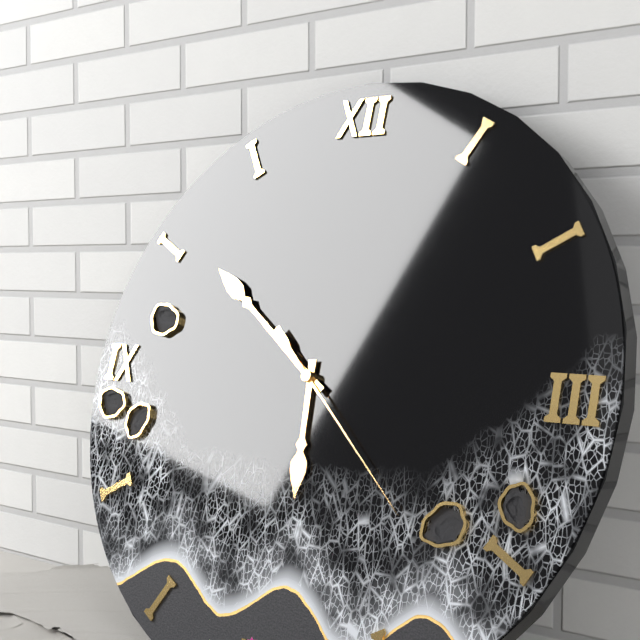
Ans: h=5 m=51 s=22
